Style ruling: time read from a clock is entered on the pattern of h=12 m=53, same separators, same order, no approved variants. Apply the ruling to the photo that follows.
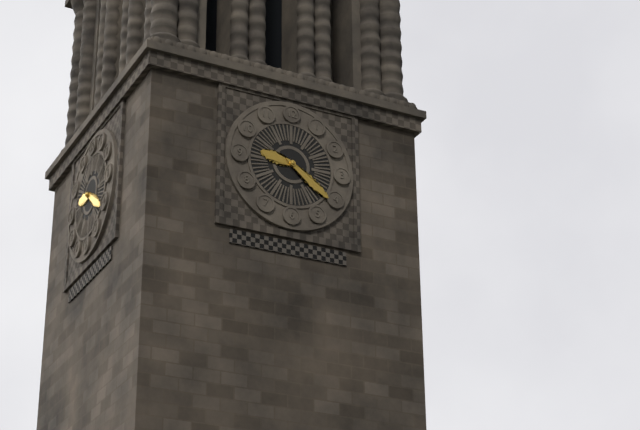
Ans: h=9 m=21
